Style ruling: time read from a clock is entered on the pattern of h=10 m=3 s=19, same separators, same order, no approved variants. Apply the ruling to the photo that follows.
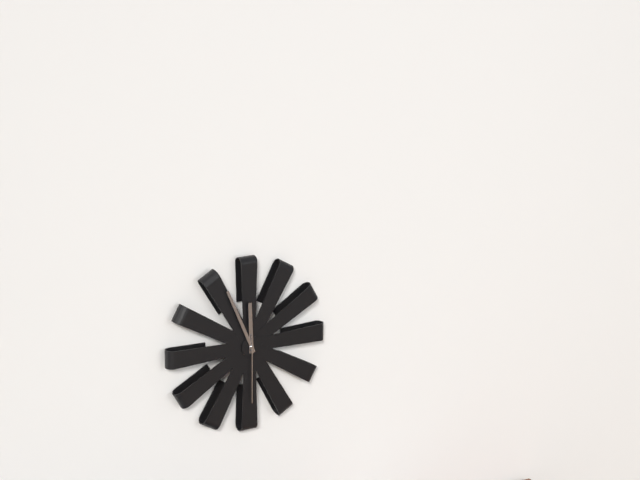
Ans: h=11 m=56 s=30
